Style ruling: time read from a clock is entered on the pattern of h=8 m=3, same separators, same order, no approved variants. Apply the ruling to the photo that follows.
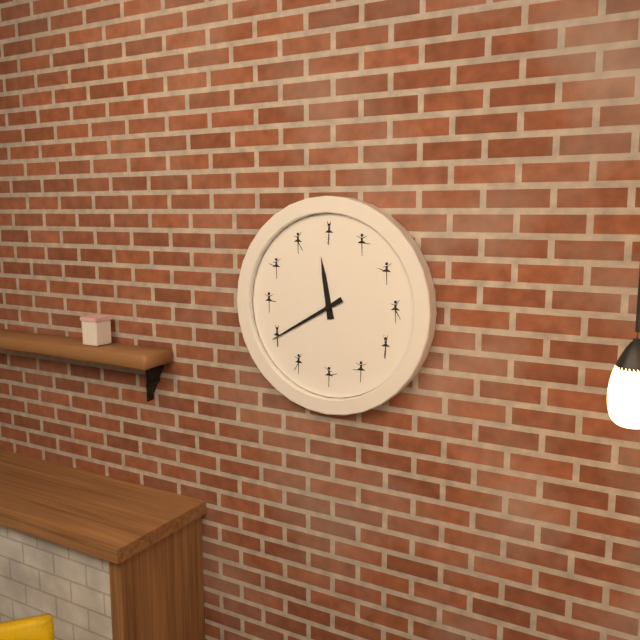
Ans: h=11 m=40
